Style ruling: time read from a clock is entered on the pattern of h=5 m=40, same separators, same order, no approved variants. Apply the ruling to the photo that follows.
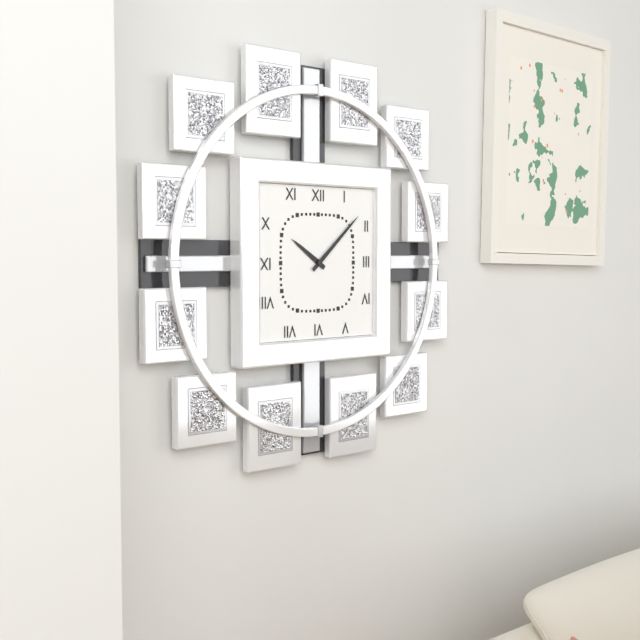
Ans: h=10 m=8
